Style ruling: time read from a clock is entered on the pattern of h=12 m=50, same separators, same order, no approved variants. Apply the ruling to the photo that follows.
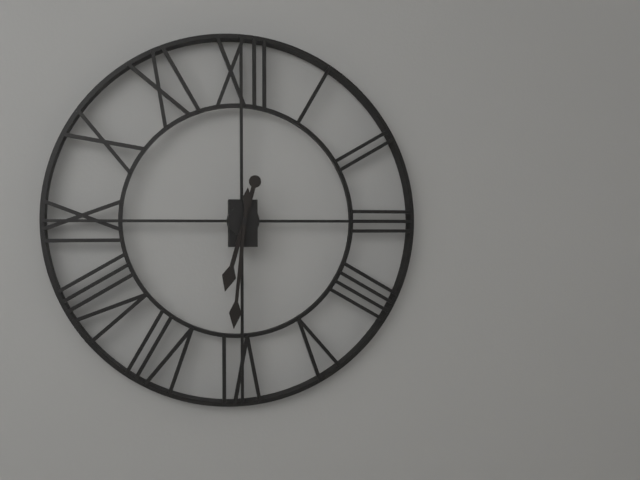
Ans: h=6 m=31
